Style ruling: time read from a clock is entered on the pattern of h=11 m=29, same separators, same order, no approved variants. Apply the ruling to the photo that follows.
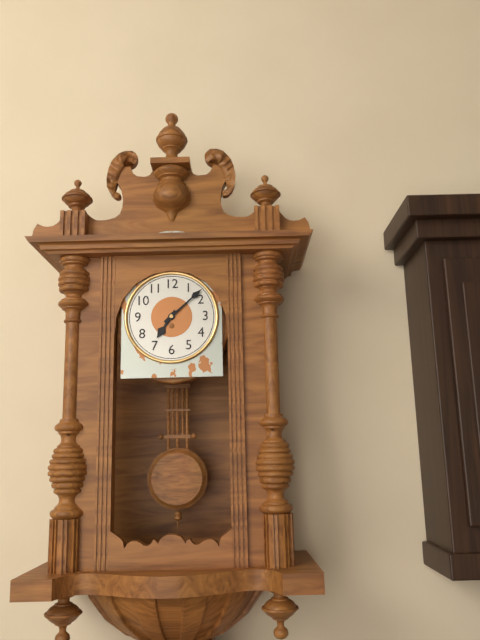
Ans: h=7 m=8
